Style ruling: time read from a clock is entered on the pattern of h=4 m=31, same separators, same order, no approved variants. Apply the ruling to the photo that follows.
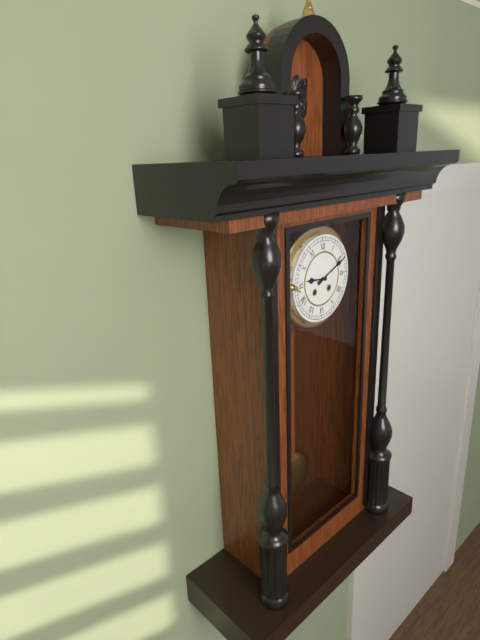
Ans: h=9 m=11
